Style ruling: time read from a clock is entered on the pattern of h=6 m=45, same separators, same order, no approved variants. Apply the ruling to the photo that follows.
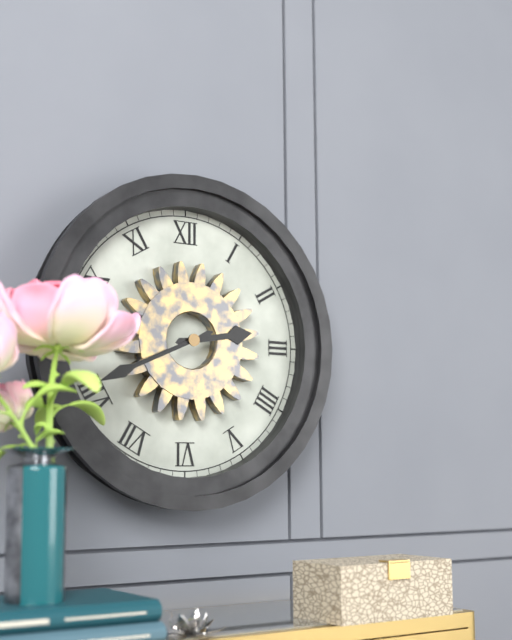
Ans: h=2 m=41
